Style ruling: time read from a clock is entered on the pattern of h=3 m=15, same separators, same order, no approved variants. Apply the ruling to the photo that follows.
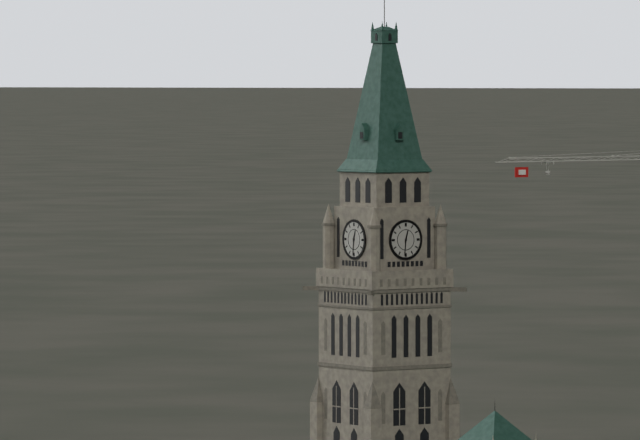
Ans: h=12 m=31
